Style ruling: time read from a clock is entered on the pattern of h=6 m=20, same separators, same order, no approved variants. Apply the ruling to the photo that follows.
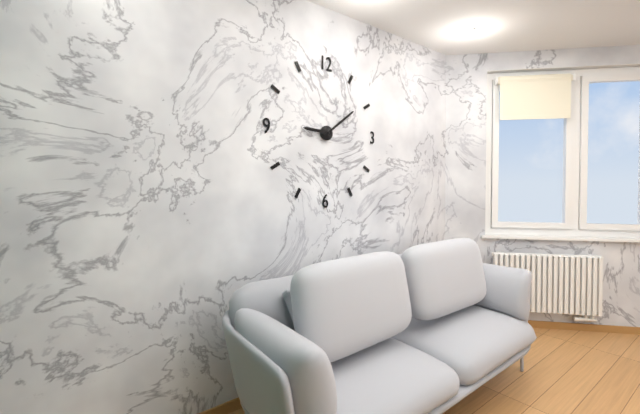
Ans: h=9 m=9
